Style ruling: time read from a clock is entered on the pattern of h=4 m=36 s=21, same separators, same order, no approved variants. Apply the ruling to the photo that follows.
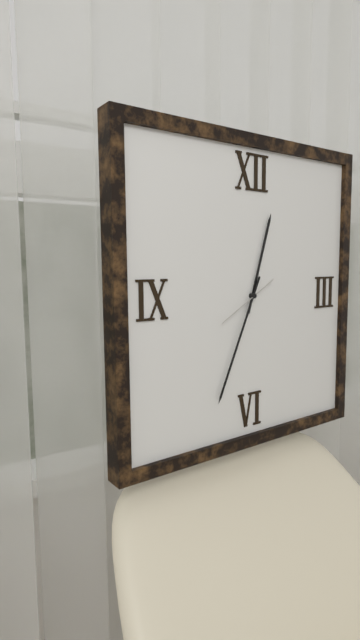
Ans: h=12 m=34 s=40
